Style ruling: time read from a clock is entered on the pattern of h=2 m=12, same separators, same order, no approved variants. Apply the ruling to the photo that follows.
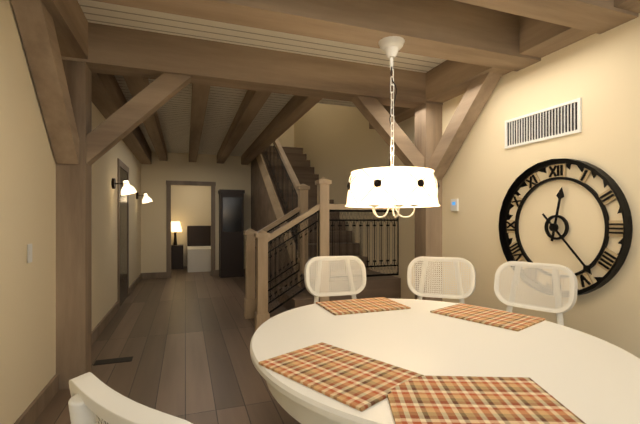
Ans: h=12 m=23
